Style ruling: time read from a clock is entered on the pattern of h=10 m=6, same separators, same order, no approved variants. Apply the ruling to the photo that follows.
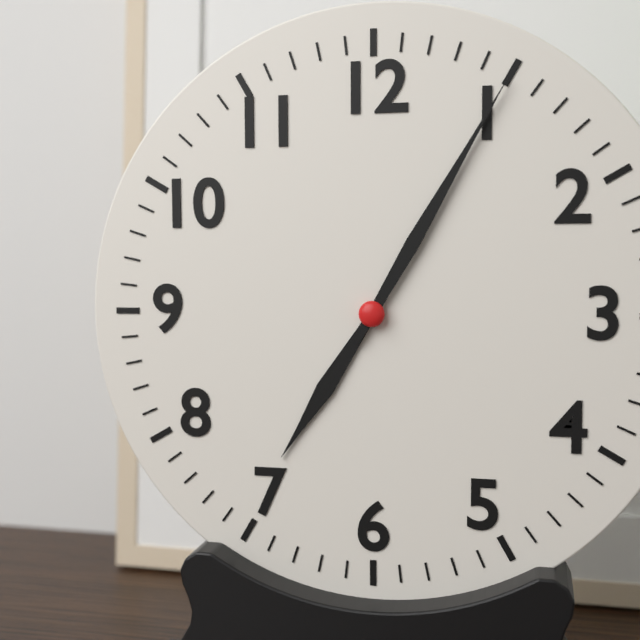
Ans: h=7 m=5
